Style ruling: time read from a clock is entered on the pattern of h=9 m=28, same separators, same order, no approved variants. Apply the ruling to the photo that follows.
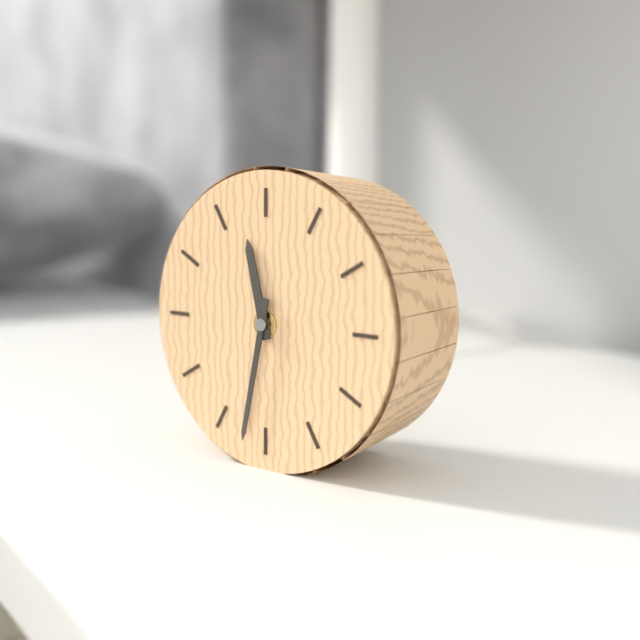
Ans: h=11 m=32
